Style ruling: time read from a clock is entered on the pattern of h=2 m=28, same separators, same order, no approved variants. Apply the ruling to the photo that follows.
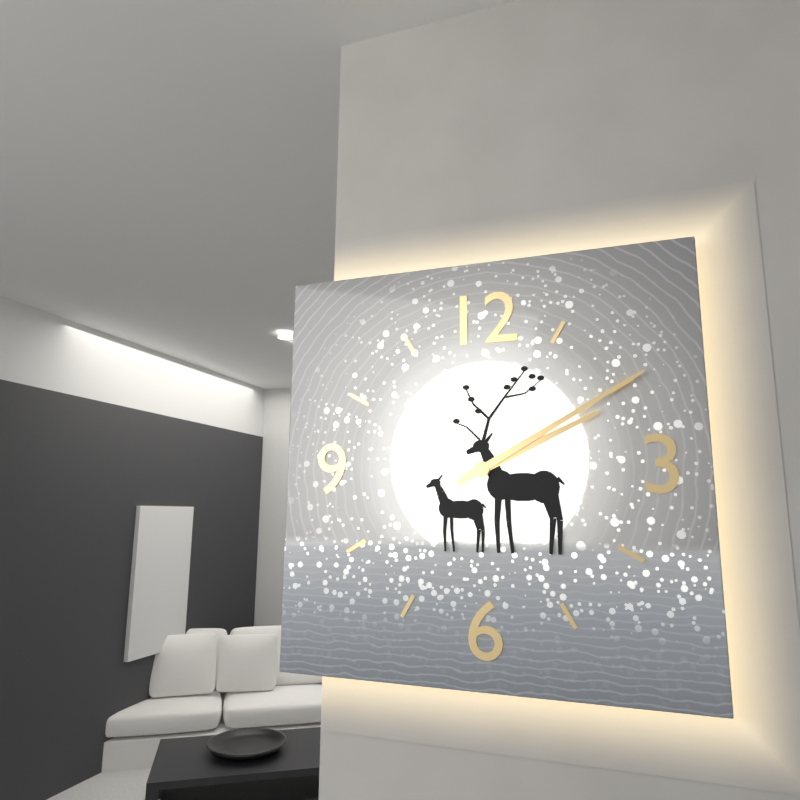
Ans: h=2 m=10
